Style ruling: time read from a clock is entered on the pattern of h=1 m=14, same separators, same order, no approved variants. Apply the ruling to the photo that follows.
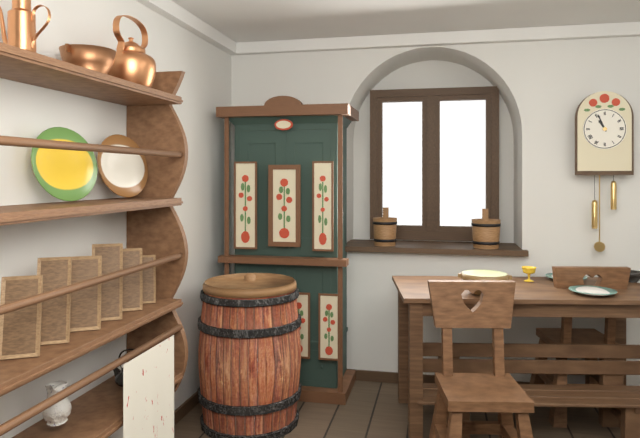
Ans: h=10 m=56
